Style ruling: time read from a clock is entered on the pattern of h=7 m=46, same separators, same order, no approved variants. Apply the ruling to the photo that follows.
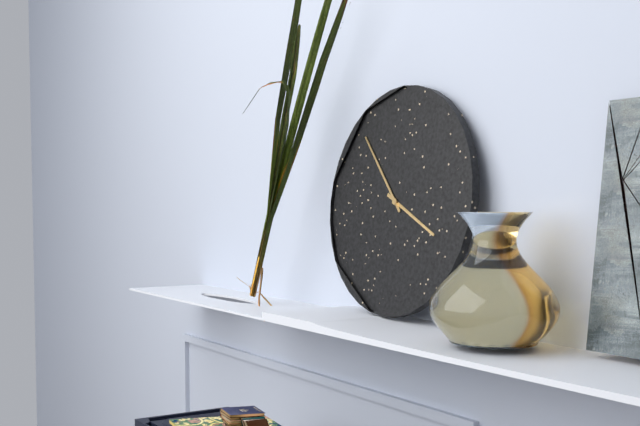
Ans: h=3 m=53
